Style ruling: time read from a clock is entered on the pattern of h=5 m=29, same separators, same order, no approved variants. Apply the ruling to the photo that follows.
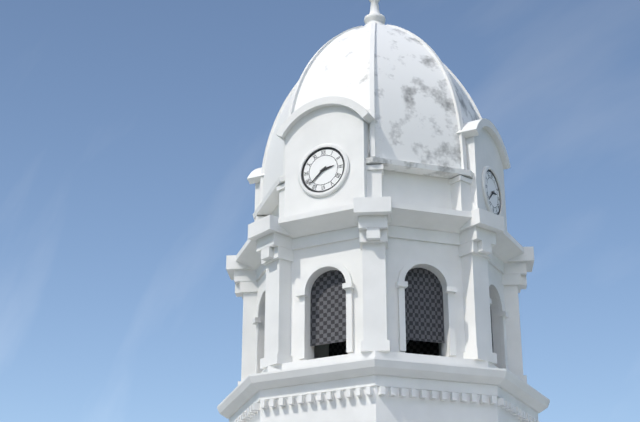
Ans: h=2 m=38
